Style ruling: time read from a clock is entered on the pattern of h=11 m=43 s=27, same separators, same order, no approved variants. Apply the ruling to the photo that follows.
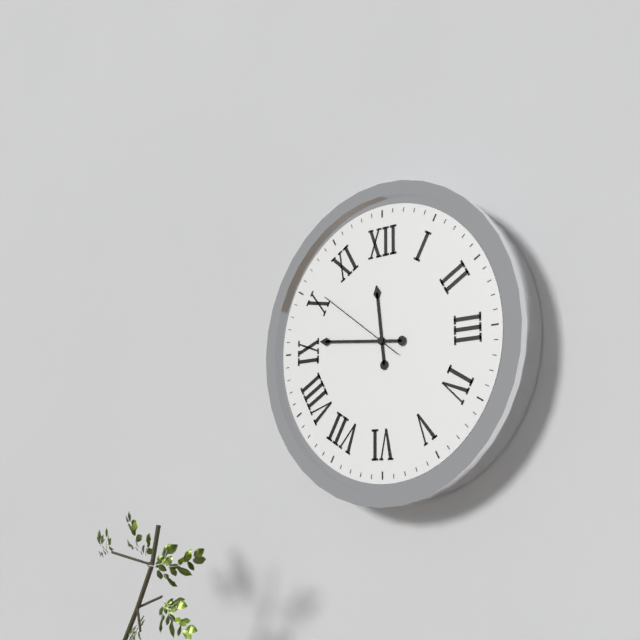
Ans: h=11 m=46 s=51
